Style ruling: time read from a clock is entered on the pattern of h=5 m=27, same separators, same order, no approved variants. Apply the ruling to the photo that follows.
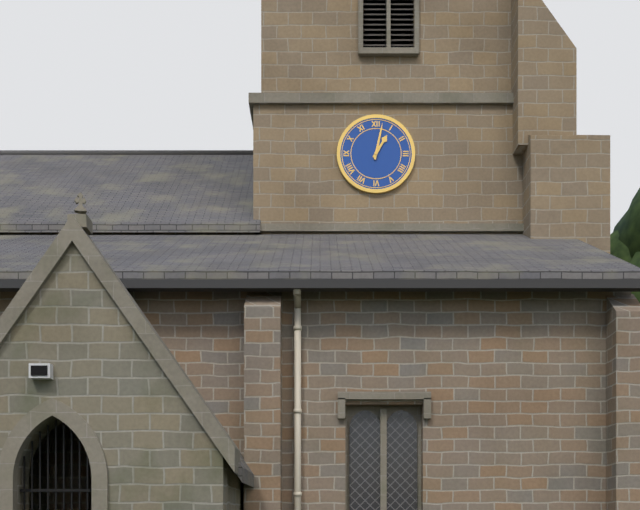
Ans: h=1 m=2
